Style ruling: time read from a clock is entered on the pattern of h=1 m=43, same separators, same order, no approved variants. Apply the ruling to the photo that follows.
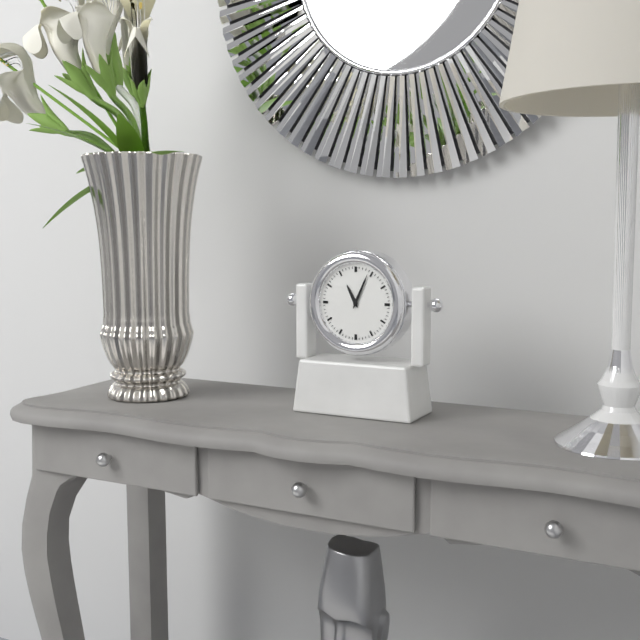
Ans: h=11 m=4
